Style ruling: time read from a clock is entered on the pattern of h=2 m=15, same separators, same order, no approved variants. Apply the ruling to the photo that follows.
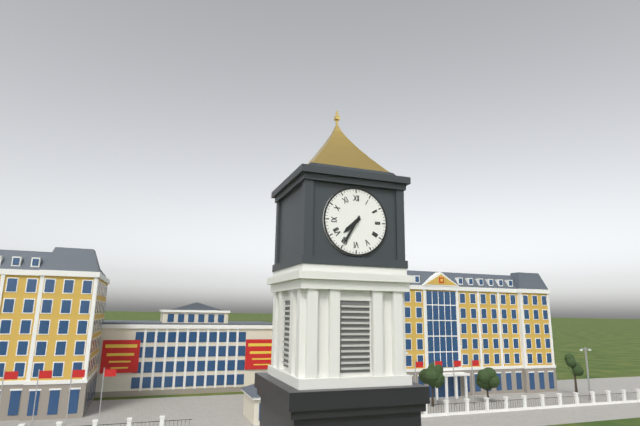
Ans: h=7 m=35
